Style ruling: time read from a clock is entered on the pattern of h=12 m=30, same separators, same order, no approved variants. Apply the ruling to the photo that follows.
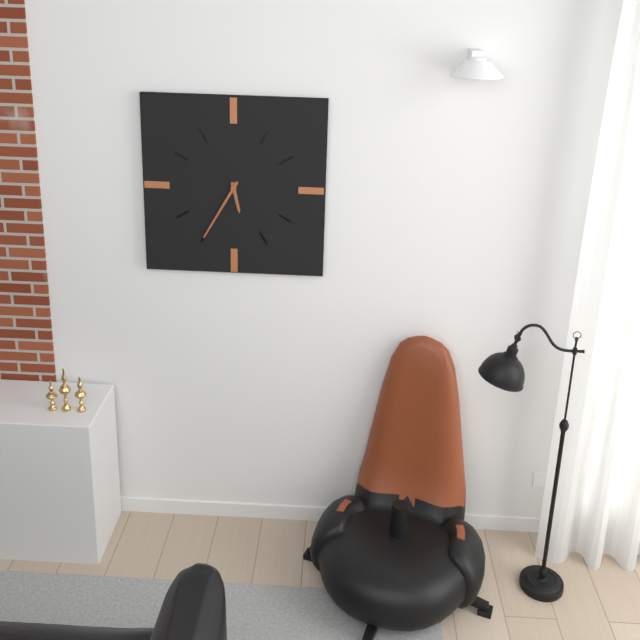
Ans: h=5 m=35
